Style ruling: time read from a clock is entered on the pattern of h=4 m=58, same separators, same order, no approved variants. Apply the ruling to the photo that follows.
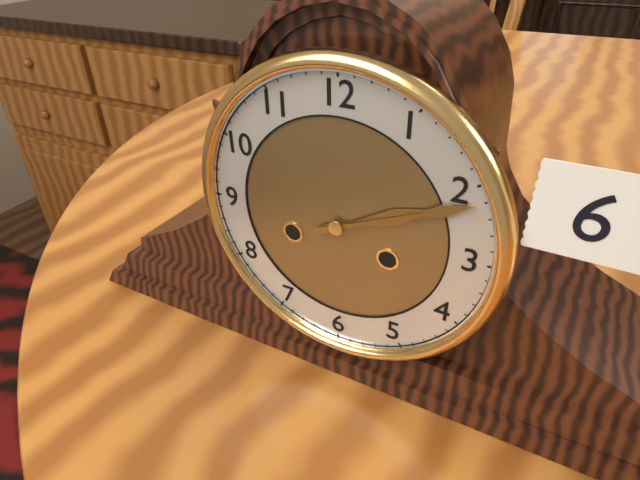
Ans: h=2 m=11
